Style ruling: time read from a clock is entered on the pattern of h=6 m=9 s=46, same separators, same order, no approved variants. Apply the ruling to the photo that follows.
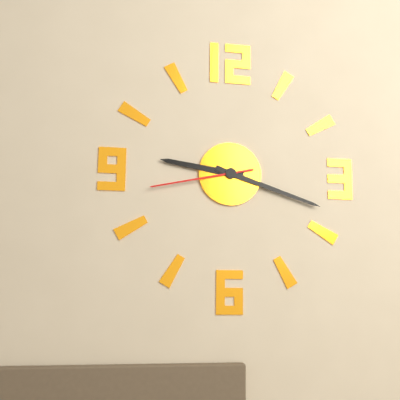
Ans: h=9 m=18 s=43
